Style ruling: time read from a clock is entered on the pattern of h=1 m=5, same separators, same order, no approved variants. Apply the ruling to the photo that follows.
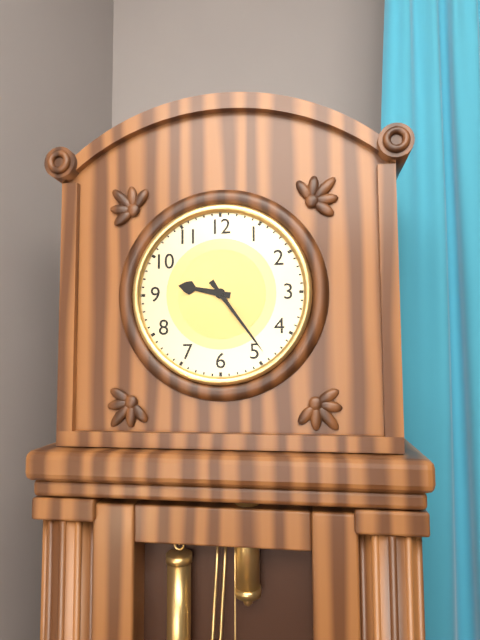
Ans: h=9 m=24
